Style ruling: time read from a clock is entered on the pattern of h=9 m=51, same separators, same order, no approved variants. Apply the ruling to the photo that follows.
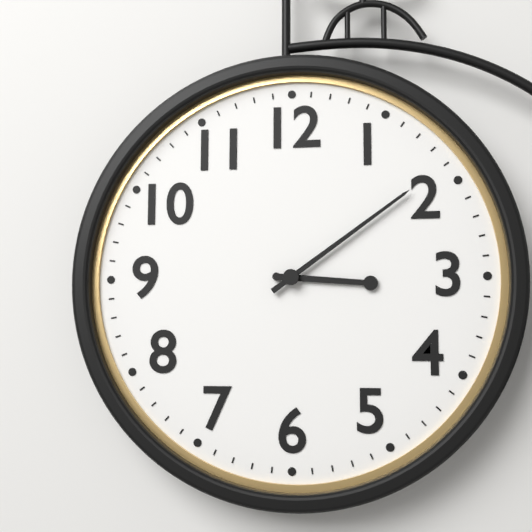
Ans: h=3 m=9
